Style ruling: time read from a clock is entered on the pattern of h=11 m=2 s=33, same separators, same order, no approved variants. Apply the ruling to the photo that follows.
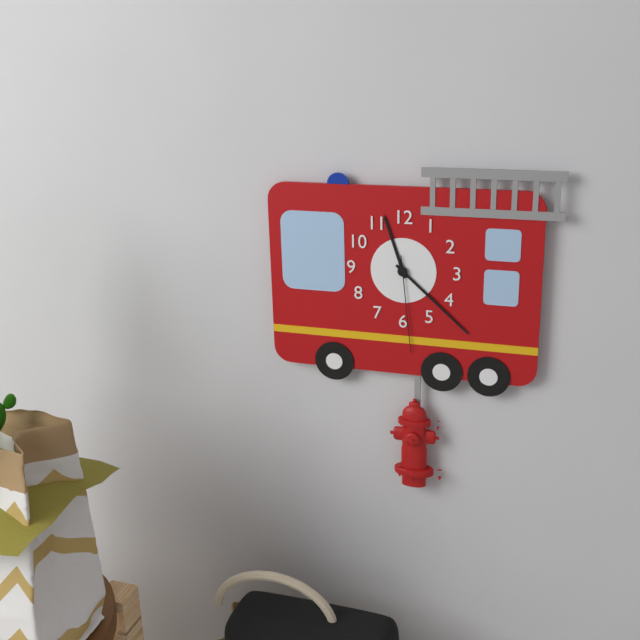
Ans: h=11 m=22 s=29
